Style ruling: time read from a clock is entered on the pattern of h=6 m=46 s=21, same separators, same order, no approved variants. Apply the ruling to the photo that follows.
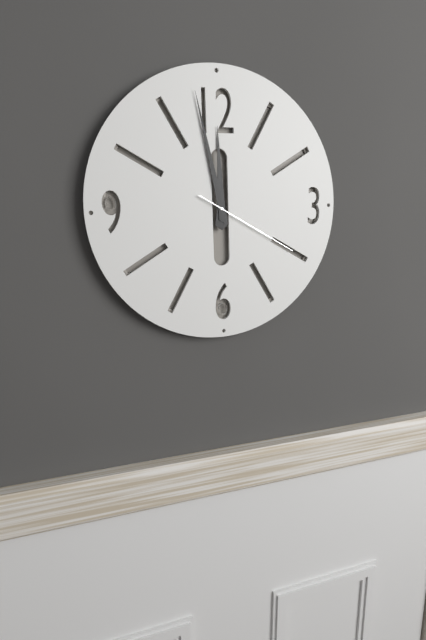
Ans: h=11 m=58 s=20
